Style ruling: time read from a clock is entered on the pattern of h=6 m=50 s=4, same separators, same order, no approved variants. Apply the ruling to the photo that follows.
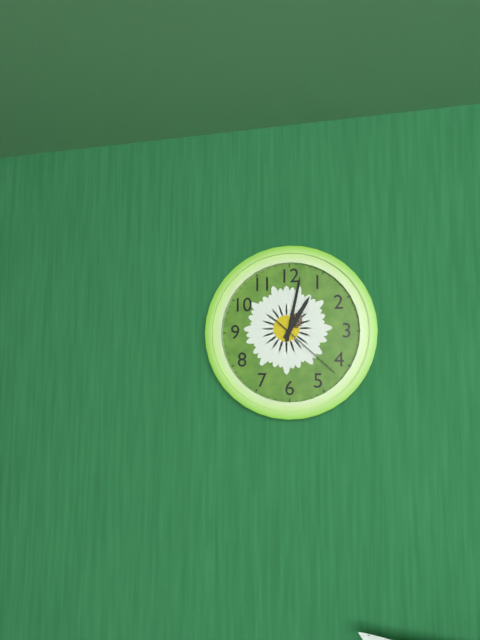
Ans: h=1 m=2 s=22
